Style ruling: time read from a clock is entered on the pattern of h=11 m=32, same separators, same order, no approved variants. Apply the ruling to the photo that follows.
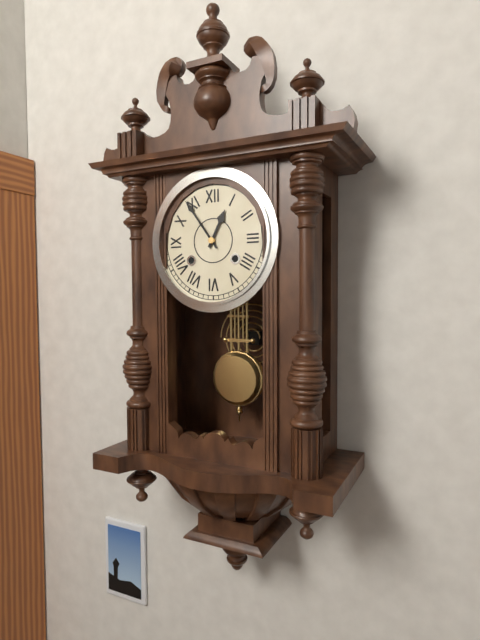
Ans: h=12 m=54
